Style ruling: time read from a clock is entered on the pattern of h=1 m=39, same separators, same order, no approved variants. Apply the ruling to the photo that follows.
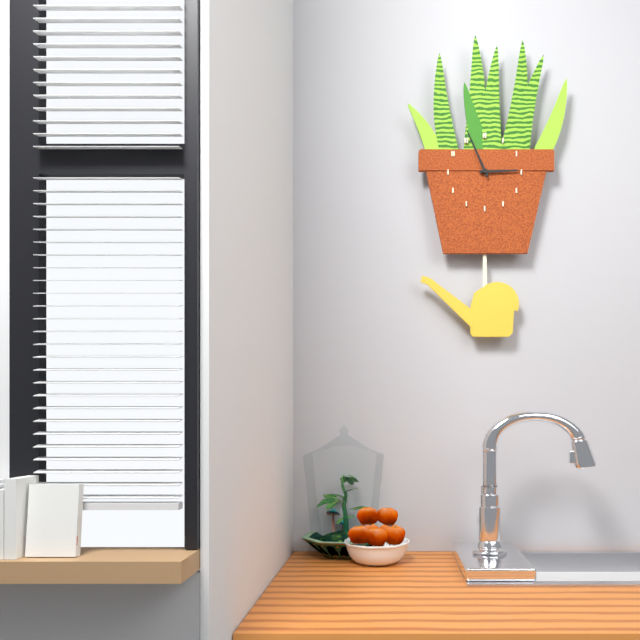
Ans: h=2 m=56
